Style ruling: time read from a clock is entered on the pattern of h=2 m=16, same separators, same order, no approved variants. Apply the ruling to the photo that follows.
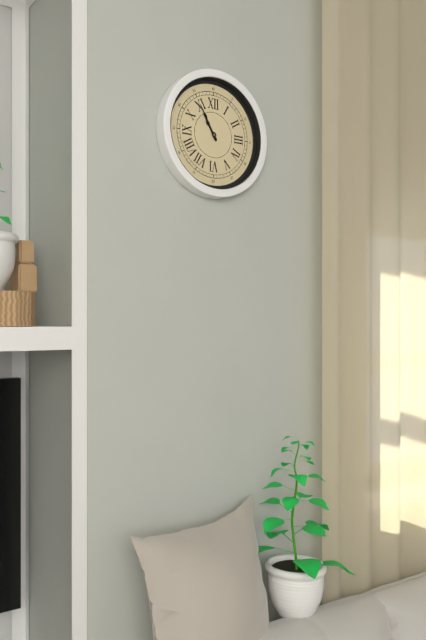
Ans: h=10 m=55
